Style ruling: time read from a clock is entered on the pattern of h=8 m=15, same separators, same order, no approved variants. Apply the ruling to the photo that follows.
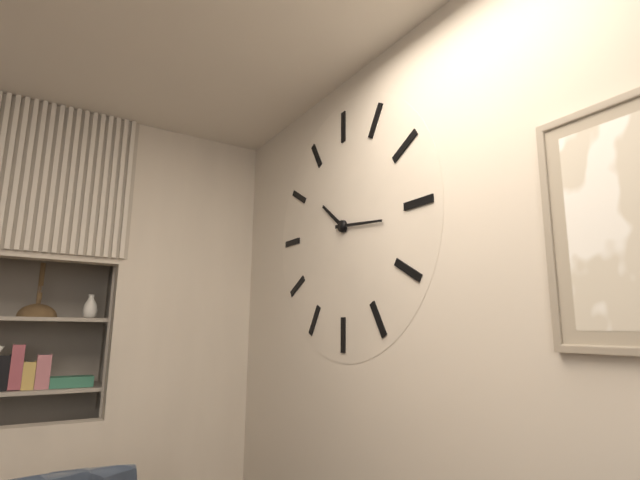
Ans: h=10 m=16
